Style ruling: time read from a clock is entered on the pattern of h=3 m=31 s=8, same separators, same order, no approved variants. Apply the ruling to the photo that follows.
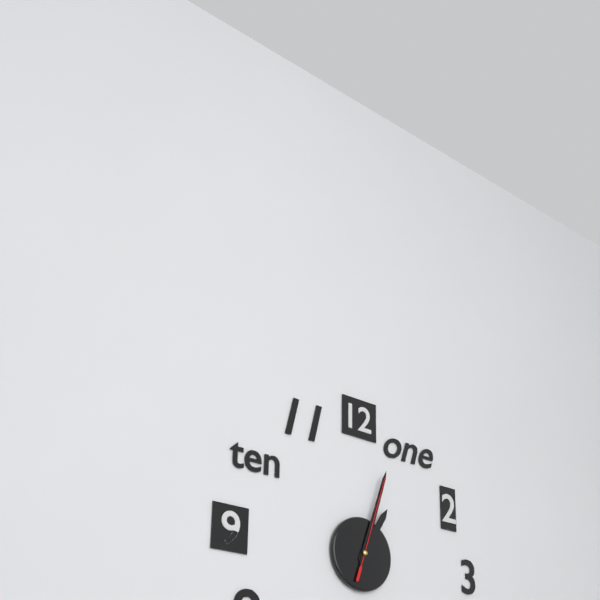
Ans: h=1 m=3 s=3
